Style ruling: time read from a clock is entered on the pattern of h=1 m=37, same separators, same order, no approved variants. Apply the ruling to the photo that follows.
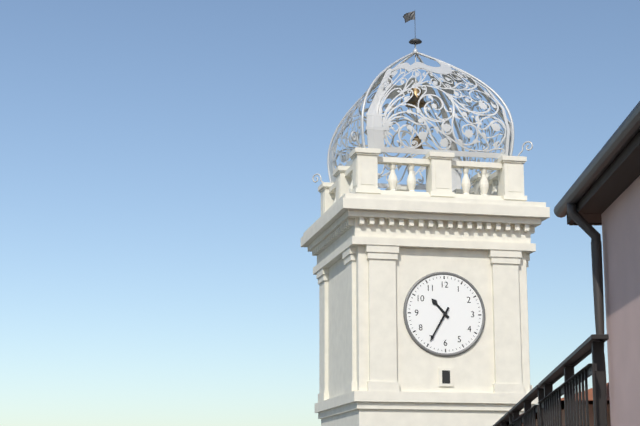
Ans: h=10 m=35
